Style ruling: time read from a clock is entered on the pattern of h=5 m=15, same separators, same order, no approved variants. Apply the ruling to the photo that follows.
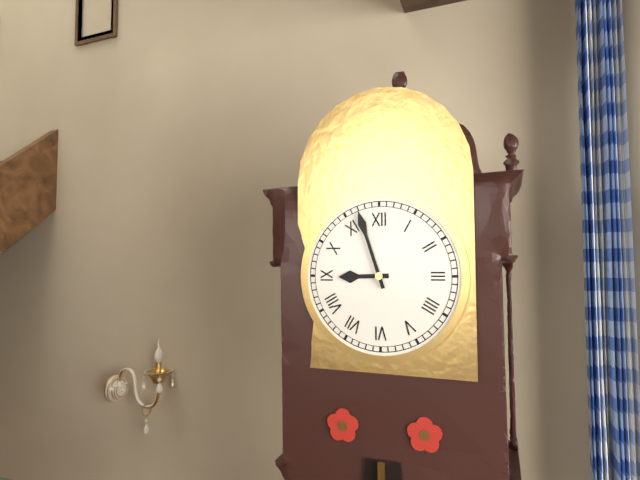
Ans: h=8 m=57
